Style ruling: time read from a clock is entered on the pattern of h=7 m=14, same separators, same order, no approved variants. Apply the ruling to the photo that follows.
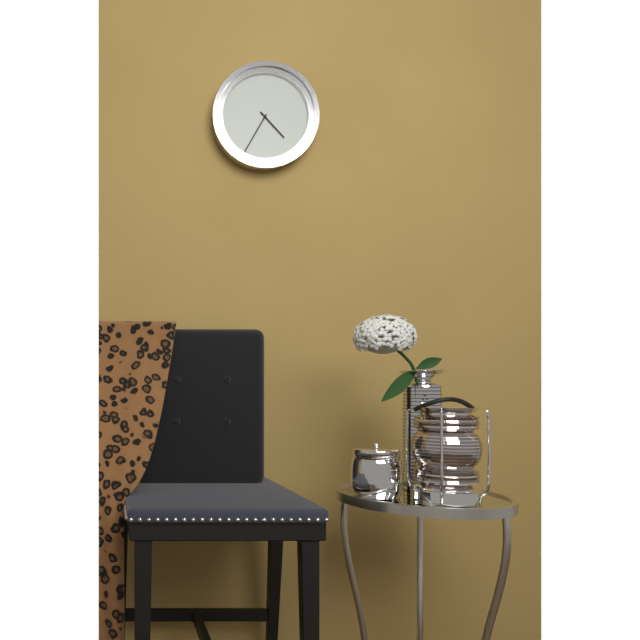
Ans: h=4 m=35
